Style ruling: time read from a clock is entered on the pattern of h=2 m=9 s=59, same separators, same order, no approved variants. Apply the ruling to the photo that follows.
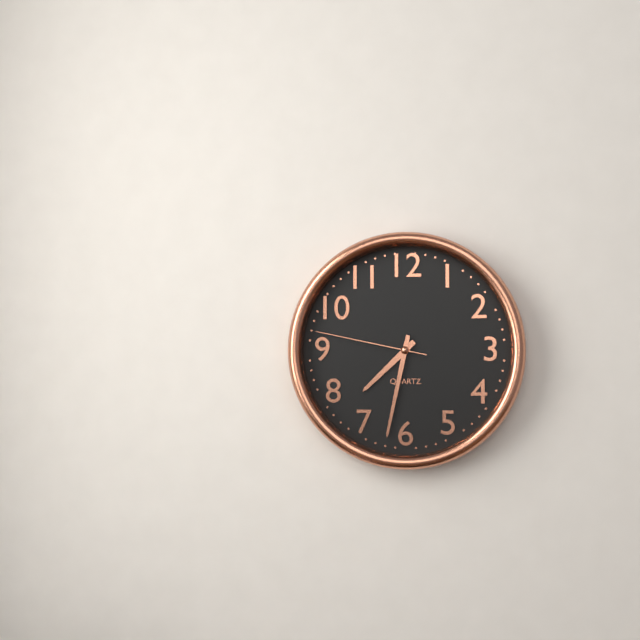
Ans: h=7 m=32 s=47
